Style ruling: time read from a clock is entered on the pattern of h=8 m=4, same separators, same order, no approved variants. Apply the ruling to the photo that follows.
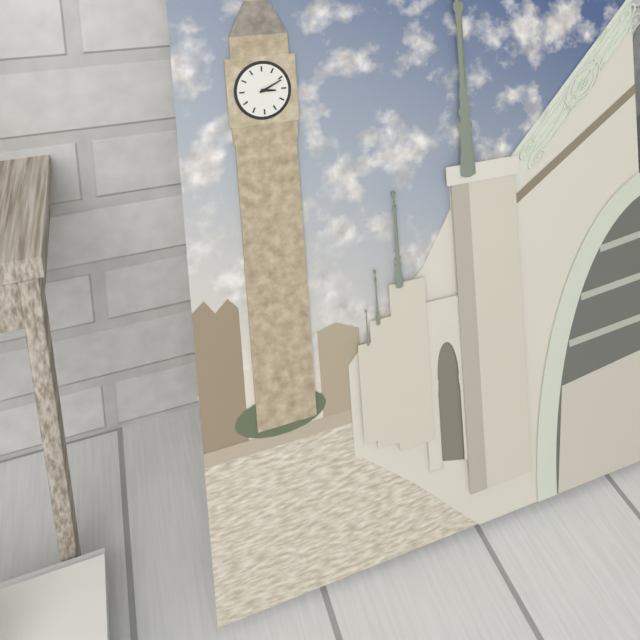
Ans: h=3 m=11
